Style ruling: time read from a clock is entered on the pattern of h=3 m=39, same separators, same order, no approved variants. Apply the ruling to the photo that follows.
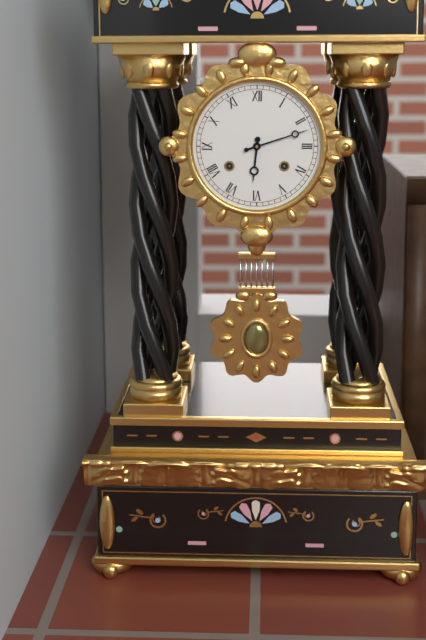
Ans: h=6 m=12
